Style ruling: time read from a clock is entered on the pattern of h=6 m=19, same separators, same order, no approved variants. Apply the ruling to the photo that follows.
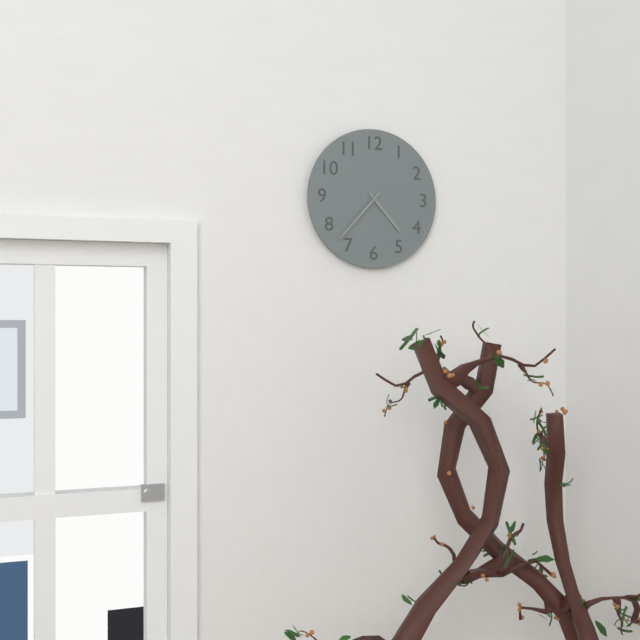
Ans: h=4 m=37
